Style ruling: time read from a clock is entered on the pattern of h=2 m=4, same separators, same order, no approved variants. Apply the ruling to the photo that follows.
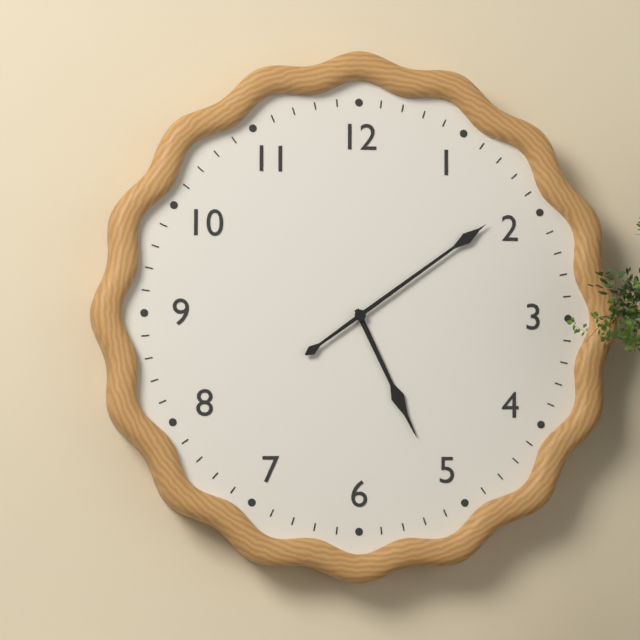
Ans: h=5 m=9
